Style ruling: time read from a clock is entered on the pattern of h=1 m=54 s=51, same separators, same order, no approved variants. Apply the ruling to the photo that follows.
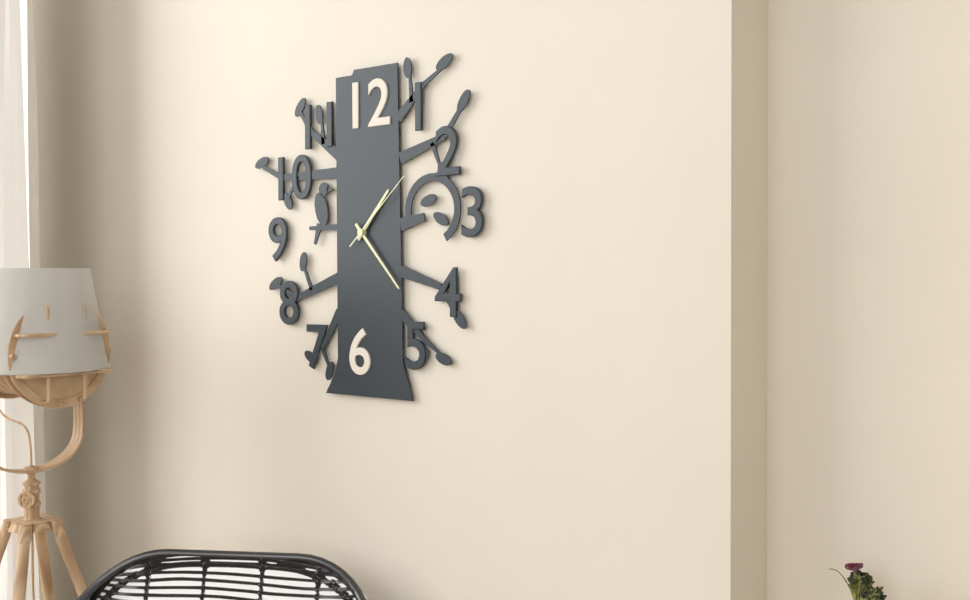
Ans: h=1 m=23 s=8
